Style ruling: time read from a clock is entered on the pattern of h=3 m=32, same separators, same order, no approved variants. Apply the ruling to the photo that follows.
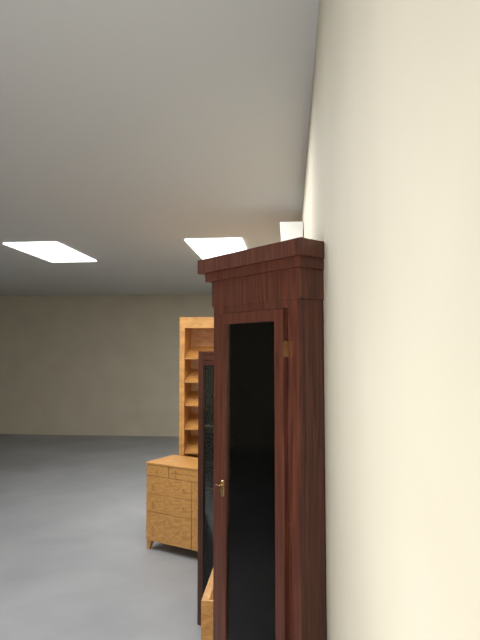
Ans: h=11 m=54
